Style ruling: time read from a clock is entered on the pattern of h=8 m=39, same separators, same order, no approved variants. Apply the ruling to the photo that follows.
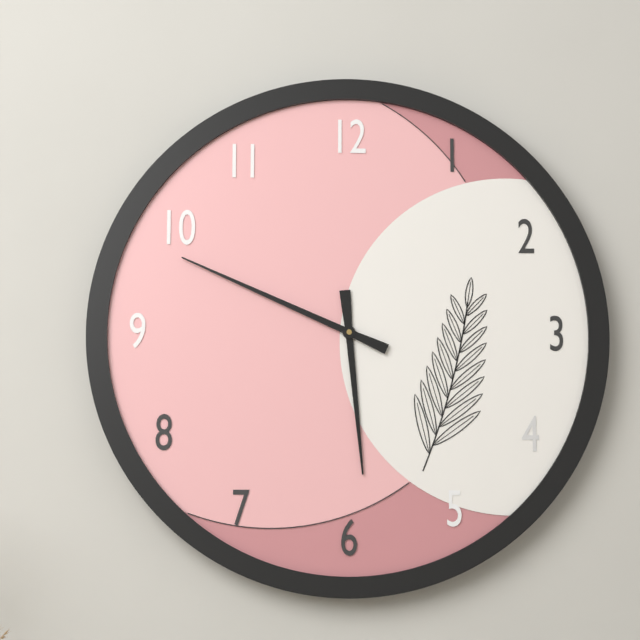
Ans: h=5 m=49
